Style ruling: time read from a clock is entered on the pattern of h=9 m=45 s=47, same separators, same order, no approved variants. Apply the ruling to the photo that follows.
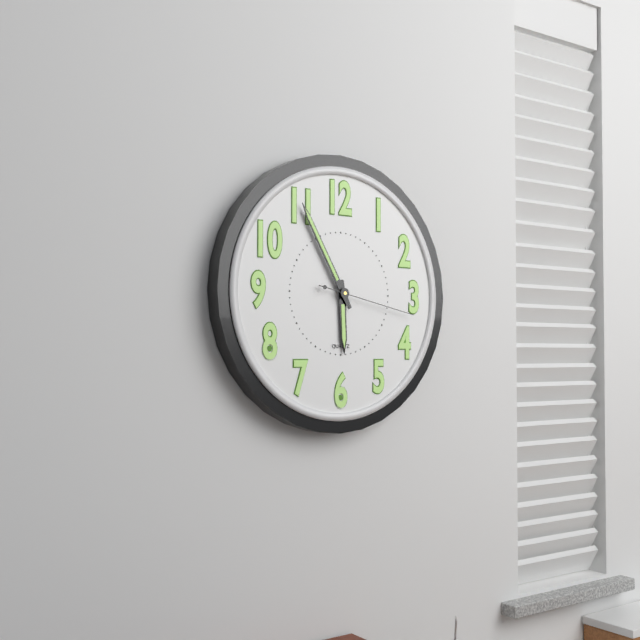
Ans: h=5 m=55 s=17
